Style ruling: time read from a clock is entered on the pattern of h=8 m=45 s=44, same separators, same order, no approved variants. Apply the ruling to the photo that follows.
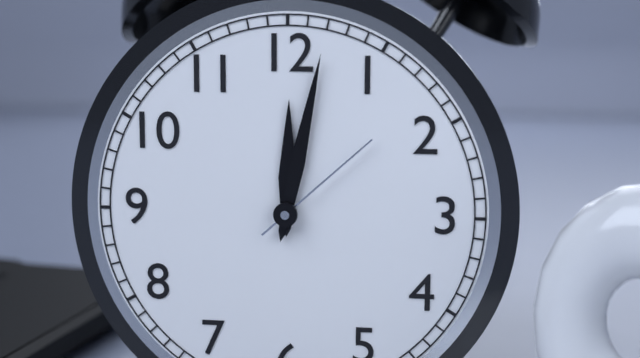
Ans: h=12 m=2 s=8
